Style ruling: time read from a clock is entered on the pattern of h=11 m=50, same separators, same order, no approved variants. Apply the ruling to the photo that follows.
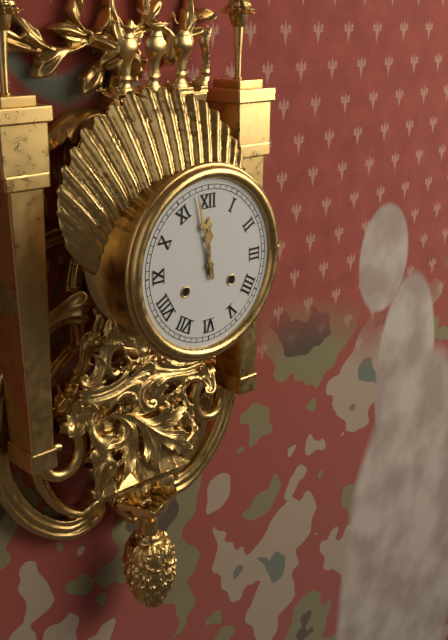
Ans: h=11 m=58
